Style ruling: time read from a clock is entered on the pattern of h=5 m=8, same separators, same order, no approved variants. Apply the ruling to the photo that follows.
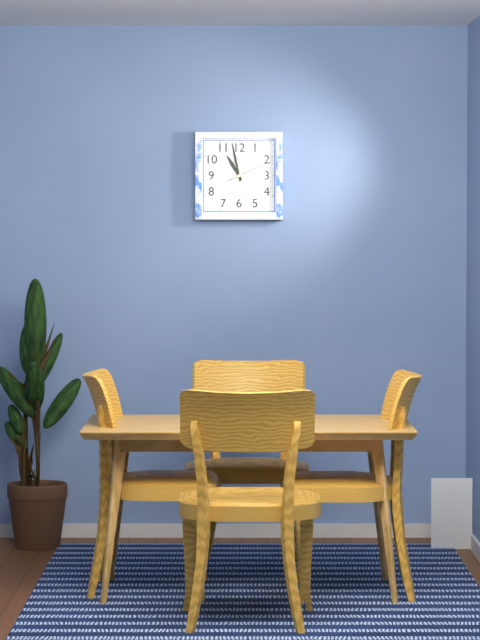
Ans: h=10 m=58
